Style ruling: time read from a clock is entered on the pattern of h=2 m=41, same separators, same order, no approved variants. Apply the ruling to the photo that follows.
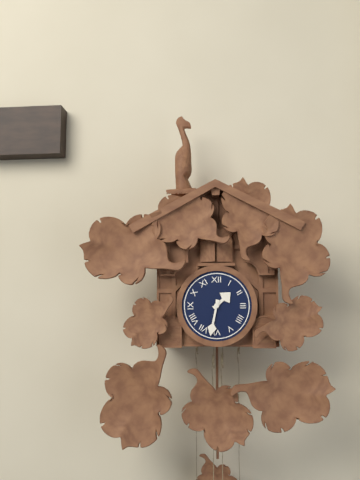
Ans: h=1 m=32
